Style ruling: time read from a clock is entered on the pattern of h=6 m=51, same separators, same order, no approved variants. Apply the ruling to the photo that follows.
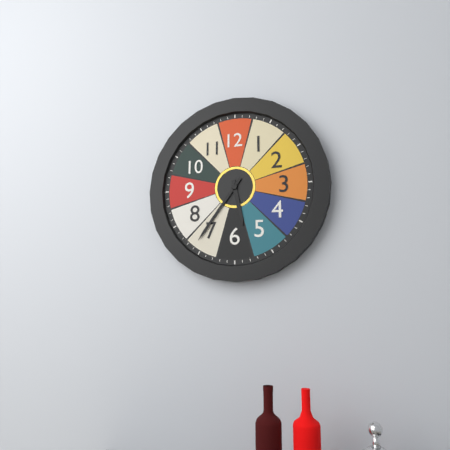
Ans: h=5 m=36
